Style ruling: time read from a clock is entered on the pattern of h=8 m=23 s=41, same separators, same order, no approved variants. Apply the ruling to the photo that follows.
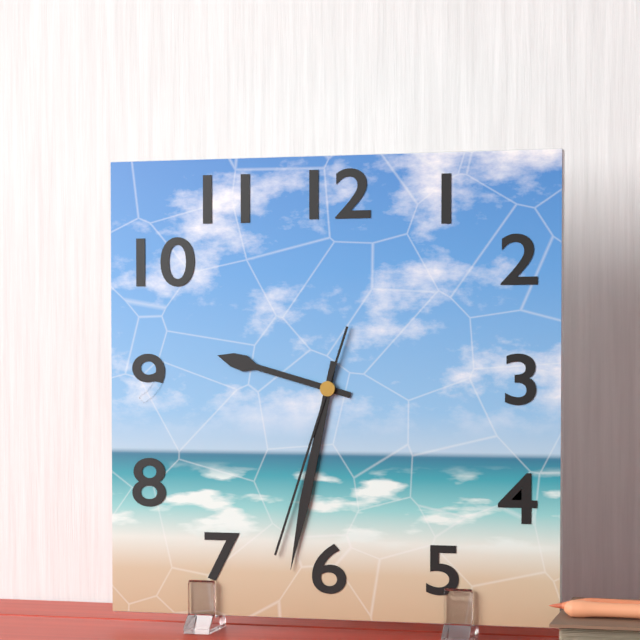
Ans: h=9 m=32 s=33
